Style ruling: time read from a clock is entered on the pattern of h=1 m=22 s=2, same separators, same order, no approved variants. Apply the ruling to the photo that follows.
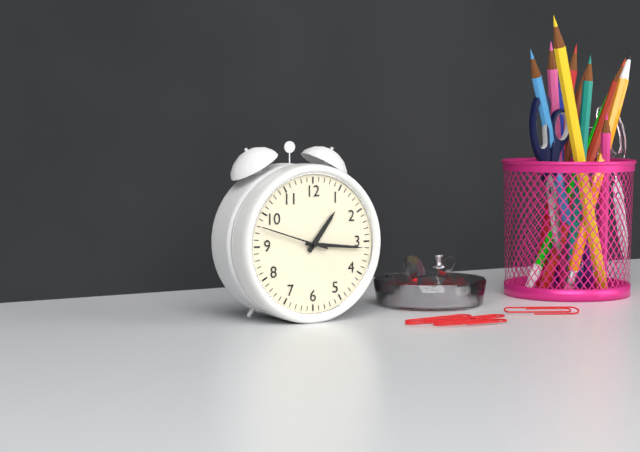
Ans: h=1 m=16 s=48
